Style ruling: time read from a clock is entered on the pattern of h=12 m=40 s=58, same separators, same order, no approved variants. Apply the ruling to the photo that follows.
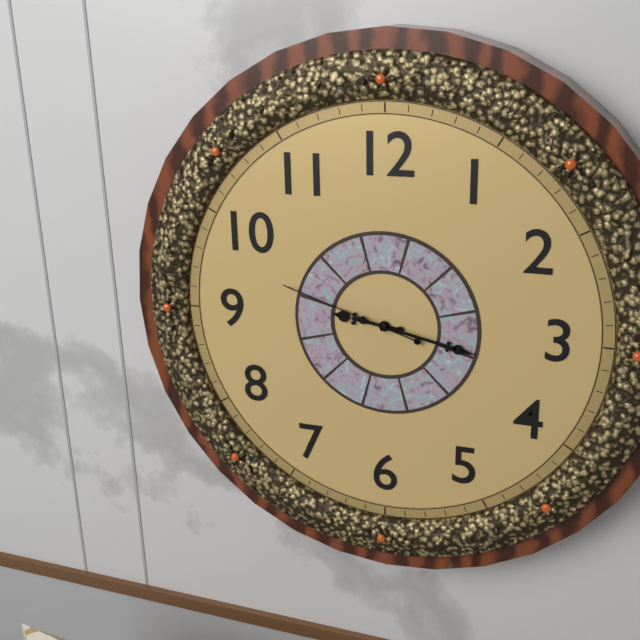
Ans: h=9 m=17 s=48
